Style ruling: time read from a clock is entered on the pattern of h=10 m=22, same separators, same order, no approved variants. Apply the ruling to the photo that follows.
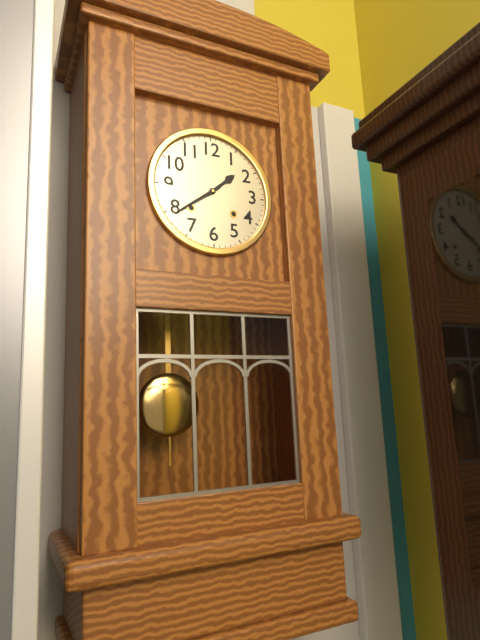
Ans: h=1 m=39
